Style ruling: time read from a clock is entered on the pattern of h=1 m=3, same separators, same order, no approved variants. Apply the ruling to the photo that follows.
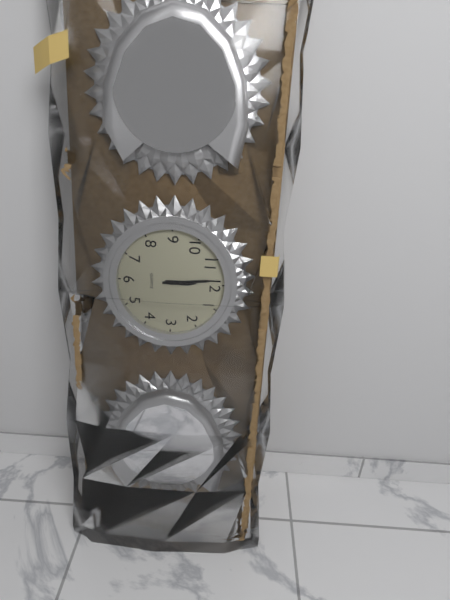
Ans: h=11 m=59
